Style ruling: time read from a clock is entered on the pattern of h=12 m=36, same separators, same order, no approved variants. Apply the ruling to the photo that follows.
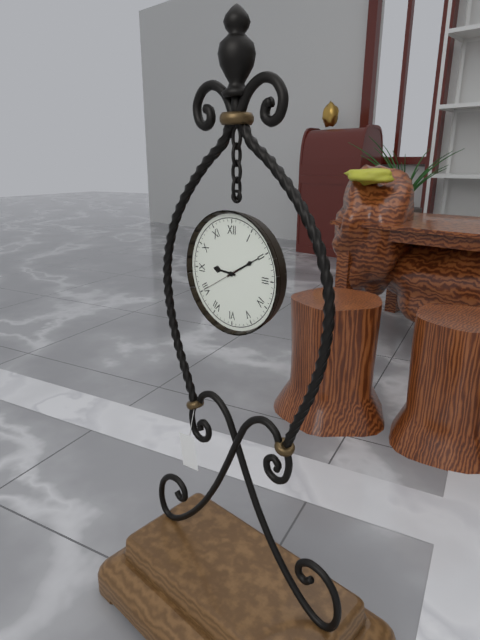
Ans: h=9 m=10
